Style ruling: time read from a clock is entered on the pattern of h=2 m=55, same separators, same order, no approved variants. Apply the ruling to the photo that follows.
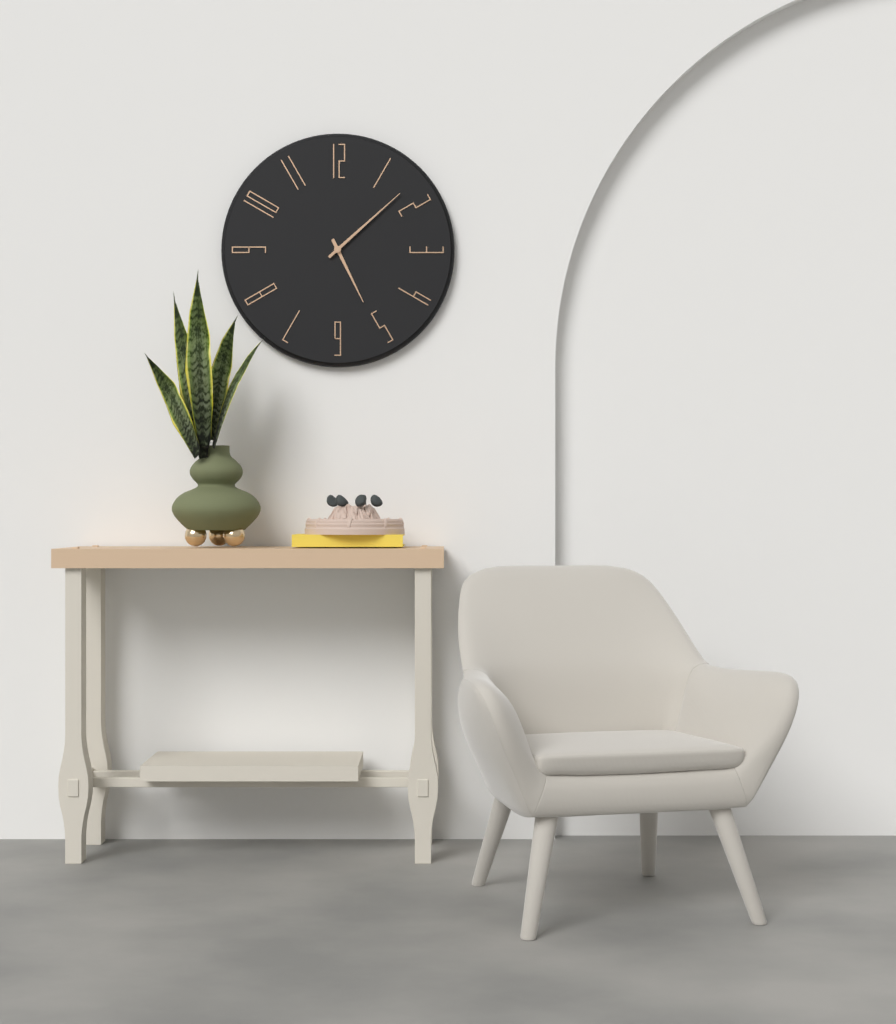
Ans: h=5 m=8
